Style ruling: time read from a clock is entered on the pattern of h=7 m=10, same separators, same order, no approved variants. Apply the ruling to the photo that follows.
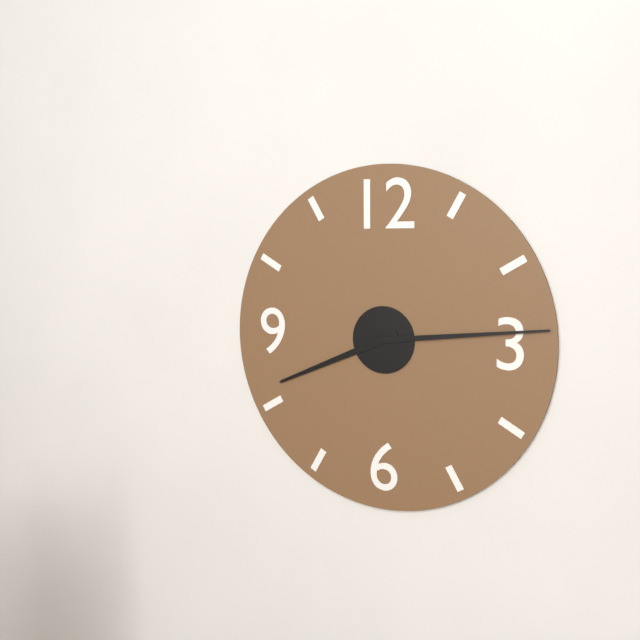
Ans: h=8 m=14
